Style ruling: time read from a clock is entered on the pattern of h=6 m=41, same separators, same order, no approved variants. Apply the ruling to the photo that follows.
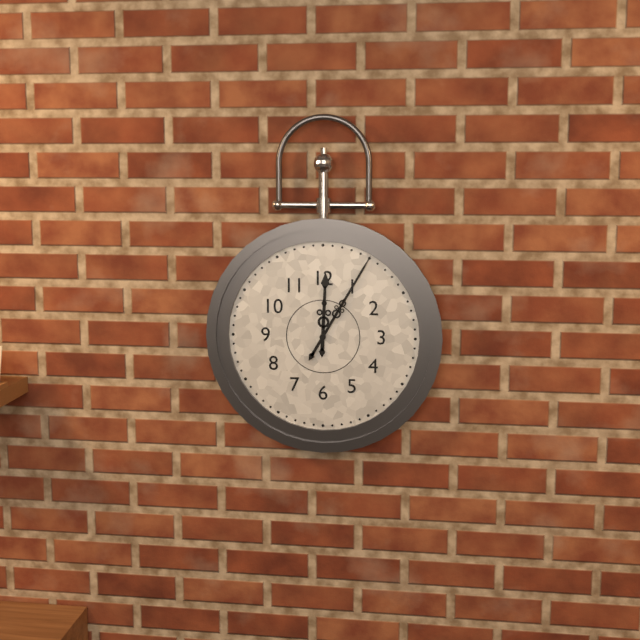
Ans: h=12 m=5
